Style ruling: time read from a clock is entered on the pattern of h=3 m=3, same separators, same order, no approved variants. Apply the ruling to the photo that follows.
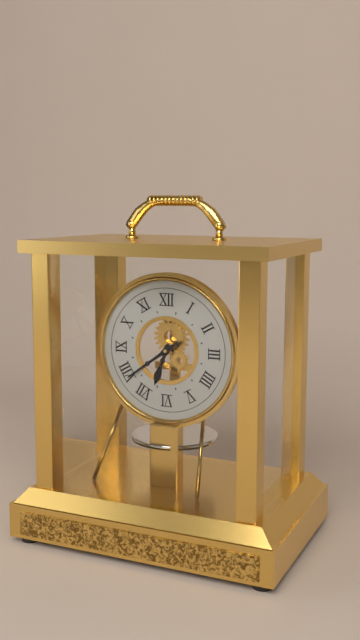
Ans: h=6 m=39
